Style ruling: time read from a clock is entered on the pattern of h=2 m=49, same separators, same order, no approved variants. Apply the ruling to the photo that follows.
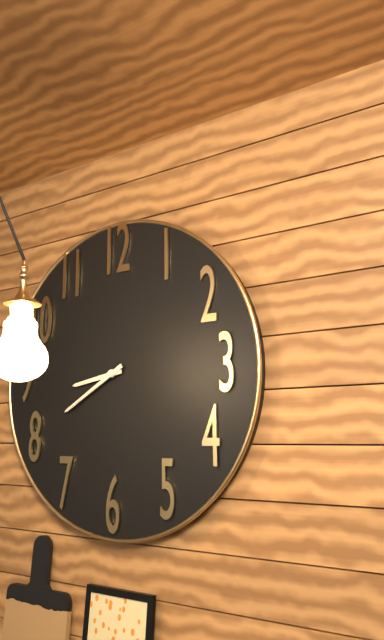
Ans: h=8 m=40
